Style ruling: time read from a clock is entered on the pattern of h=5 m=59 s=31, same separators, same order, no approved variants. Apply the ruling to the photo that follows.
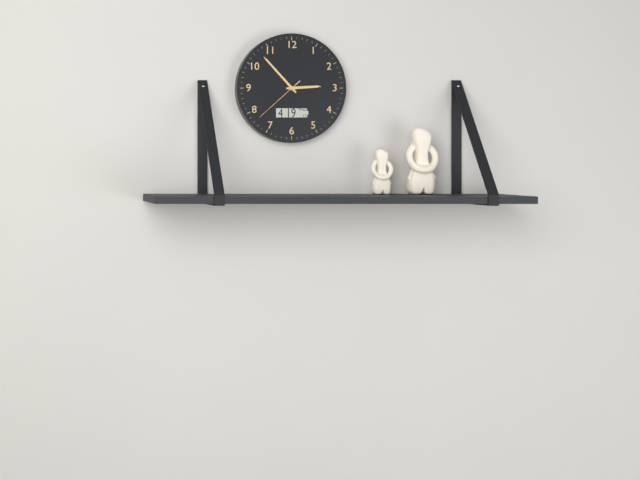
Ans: h=2 m=53 s=38
